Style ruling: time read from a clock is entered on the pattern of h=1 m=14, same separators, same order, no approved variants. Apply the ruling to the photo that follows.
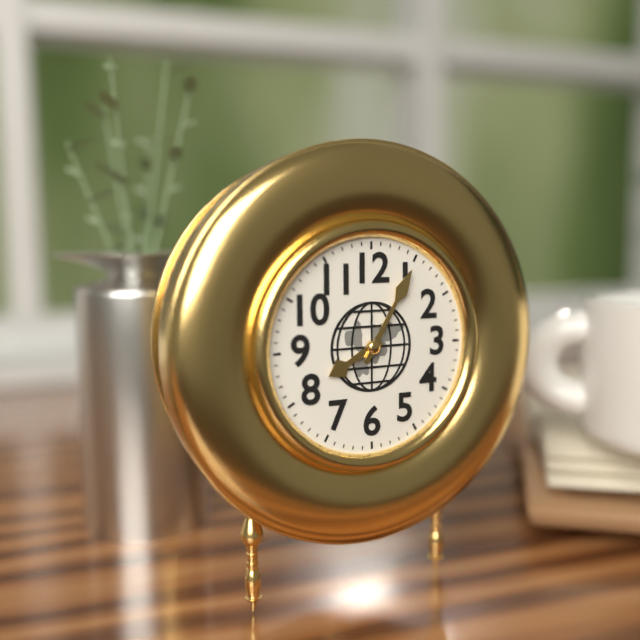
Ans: h=8 m=5
